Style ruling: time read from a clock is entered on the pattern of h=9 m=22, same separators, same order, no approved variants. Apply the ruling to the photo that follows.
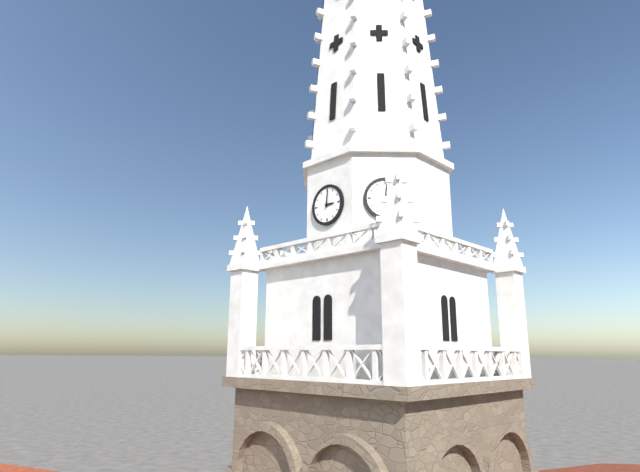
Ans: h=3 m=1
